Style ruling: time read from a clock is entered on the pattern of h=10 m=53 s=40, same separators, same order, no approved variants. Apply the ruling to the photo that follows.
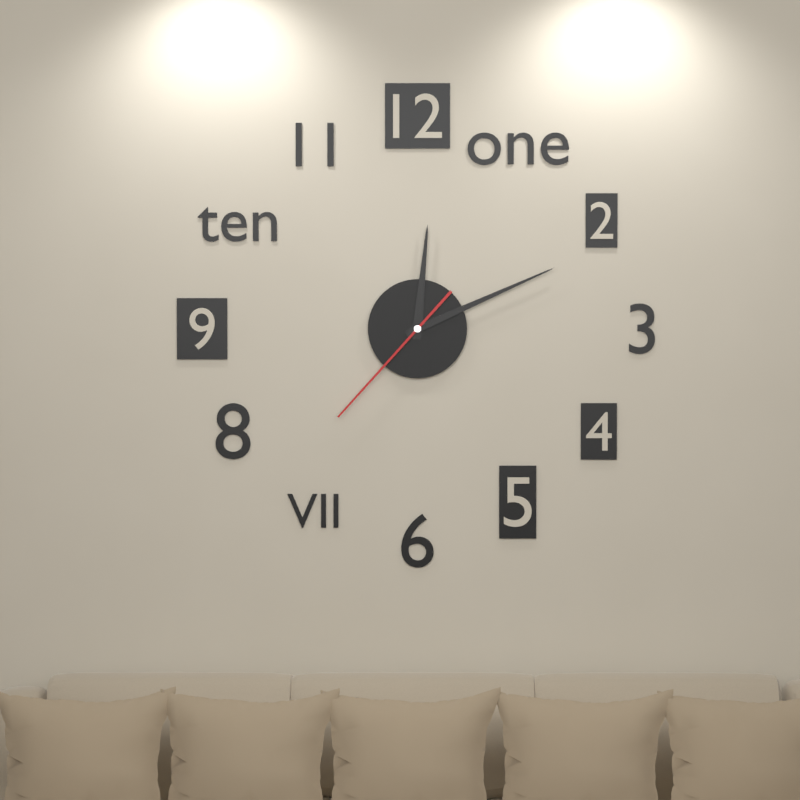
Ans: h=12 m=11 s=37
